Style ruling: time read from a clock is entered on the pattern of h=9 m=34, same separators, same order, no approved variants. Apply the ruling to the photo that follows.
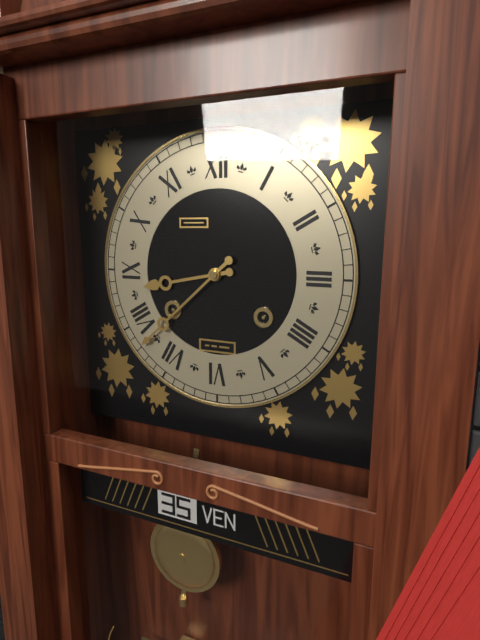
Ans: h=8 m=38
